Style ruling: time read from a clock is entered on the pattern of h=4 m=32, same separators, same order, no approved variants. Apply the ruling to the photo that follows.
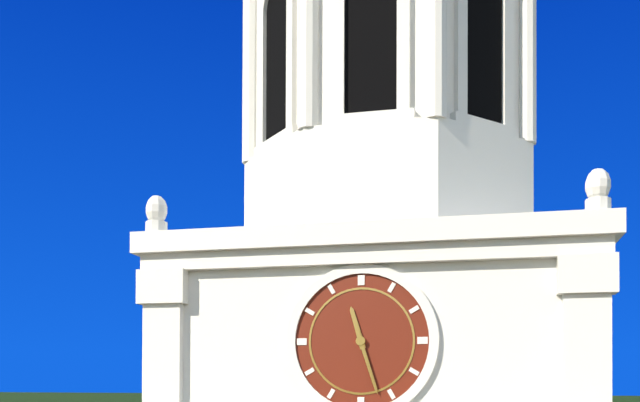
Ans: h=11 m=27
